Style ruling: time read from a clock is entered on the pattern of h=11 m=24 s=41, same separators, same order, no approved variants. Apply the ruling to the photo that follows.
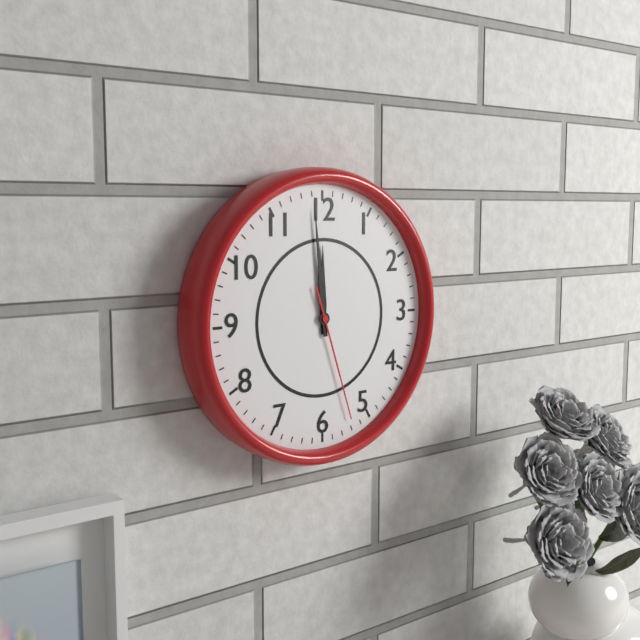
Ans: h=11 m=59 s=27
